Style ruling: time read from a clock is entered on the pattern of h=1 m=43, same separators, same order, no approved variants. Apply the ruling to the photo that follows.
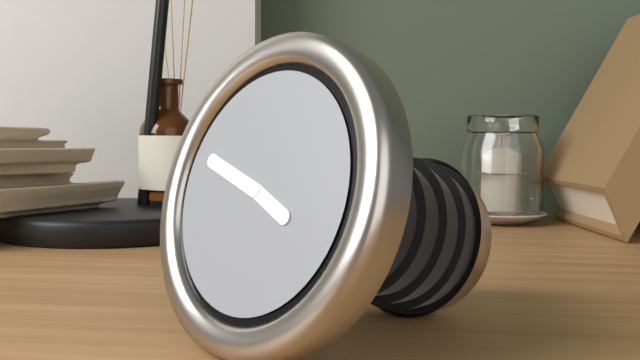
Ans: h=3 m=48
